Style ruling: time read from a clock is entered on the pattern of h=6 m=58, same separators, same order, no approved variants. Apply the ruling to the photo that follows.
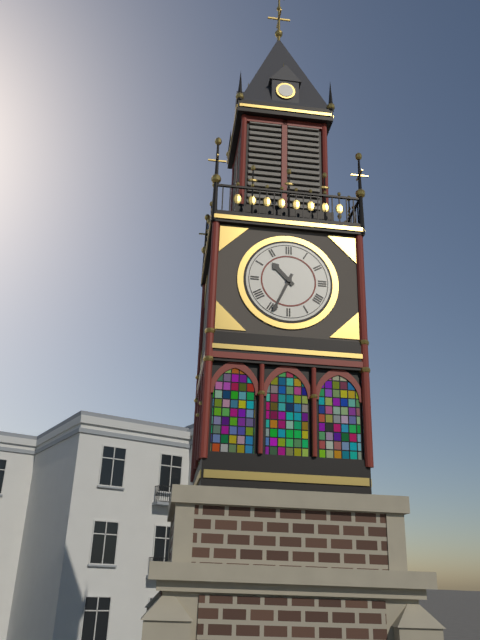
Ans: h=10 m=34
